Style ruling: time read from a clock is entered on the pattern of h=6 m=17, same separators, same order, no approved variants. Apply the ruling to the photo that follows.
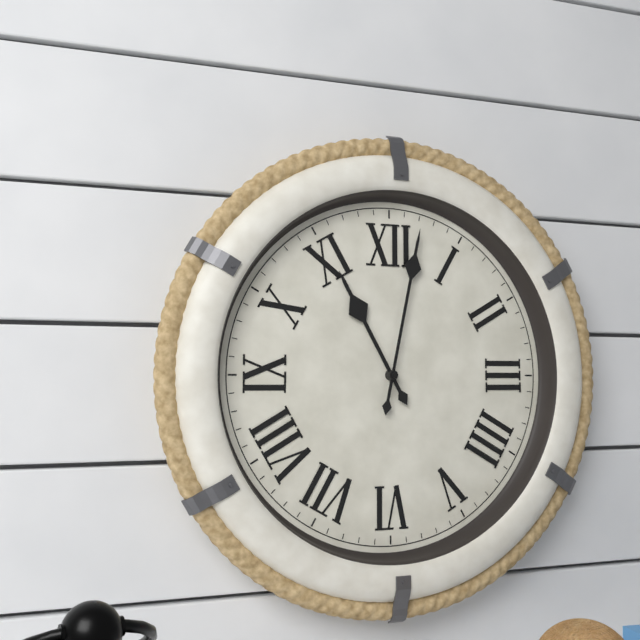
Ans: h=11 m=2
